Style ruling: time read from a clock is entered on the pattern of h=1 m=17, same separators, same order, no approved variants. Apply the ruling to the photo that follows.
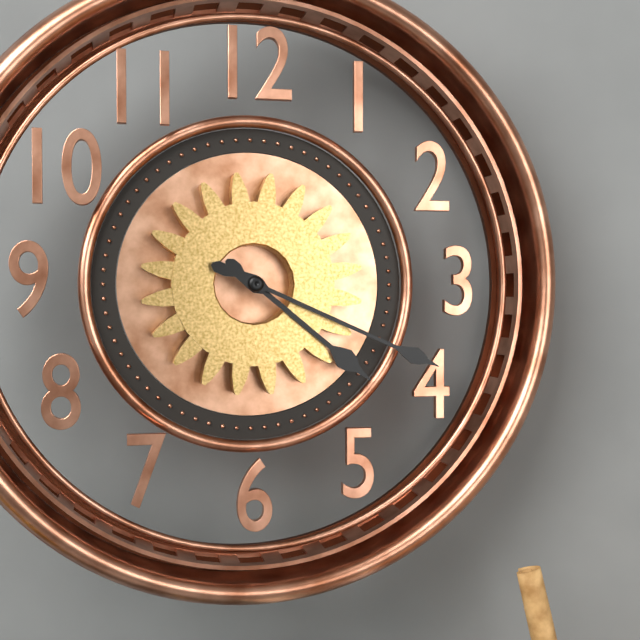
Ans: h=4 m=19
